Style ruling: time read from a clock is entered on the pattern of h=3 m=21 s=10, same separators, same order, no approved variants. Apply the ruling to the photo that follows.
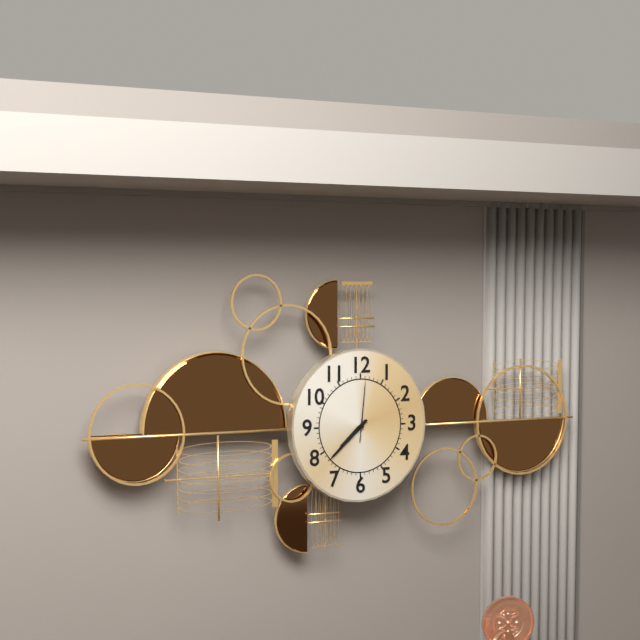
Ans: h=7 m=38 s=1
